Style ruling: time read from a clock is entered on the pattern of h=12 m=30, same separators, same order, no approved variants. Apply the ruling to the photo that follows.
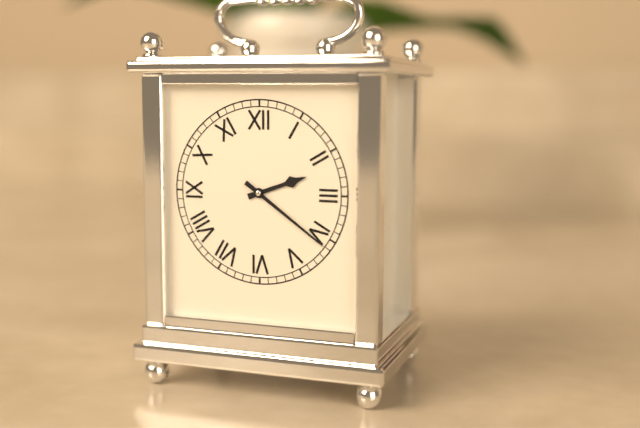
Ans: h=2 m=21
